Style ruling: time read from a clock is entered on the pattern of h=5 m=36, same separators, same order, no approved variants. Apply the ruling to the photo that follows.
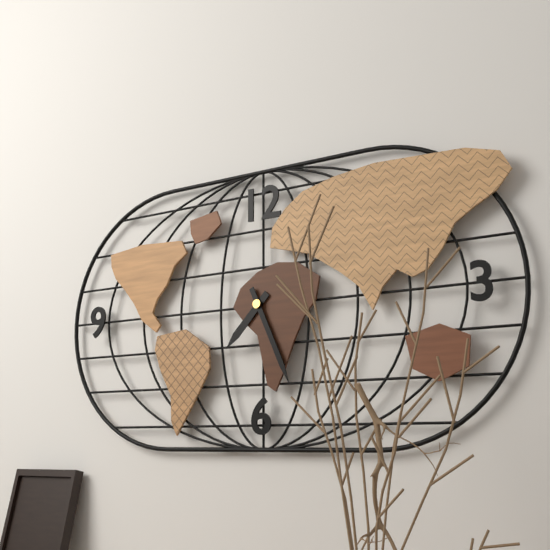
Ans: h=7 m=26
